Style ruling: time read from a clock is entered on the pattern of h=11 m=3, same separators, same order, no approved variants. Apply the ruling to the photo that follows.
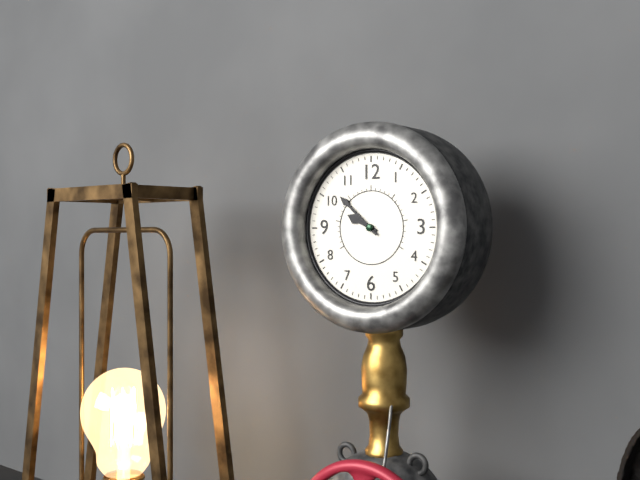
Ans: h=9 m=52
